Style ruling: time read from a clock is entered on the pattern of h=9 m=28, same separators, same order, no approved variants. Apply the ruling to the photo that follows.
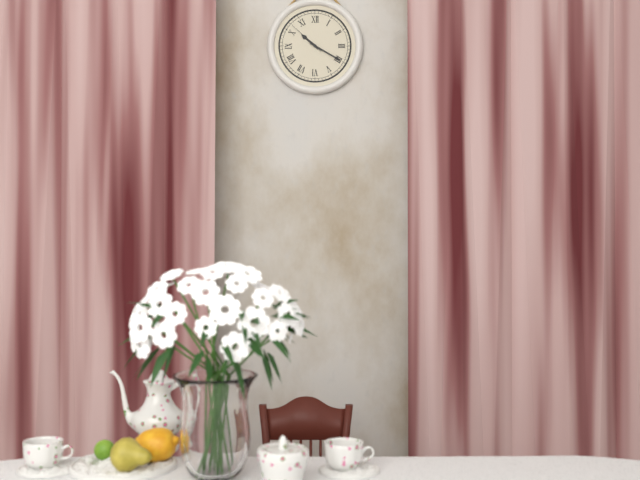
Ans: h=10 m=20
